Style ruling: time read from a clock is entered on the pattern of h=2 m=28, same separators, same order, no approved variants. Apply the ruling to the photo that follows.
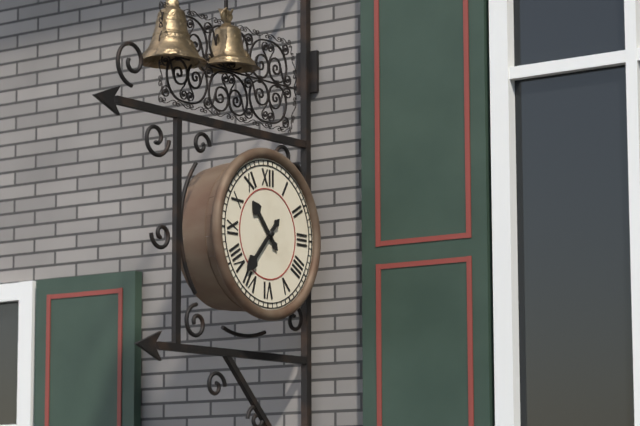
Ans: h=10 m=37
